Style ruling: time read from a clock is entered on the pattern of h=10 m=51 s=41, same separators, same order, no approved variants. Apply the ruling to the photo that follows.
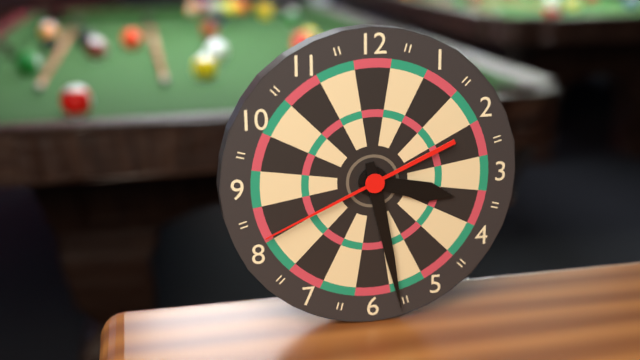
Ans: h=3 m=28 s=41
